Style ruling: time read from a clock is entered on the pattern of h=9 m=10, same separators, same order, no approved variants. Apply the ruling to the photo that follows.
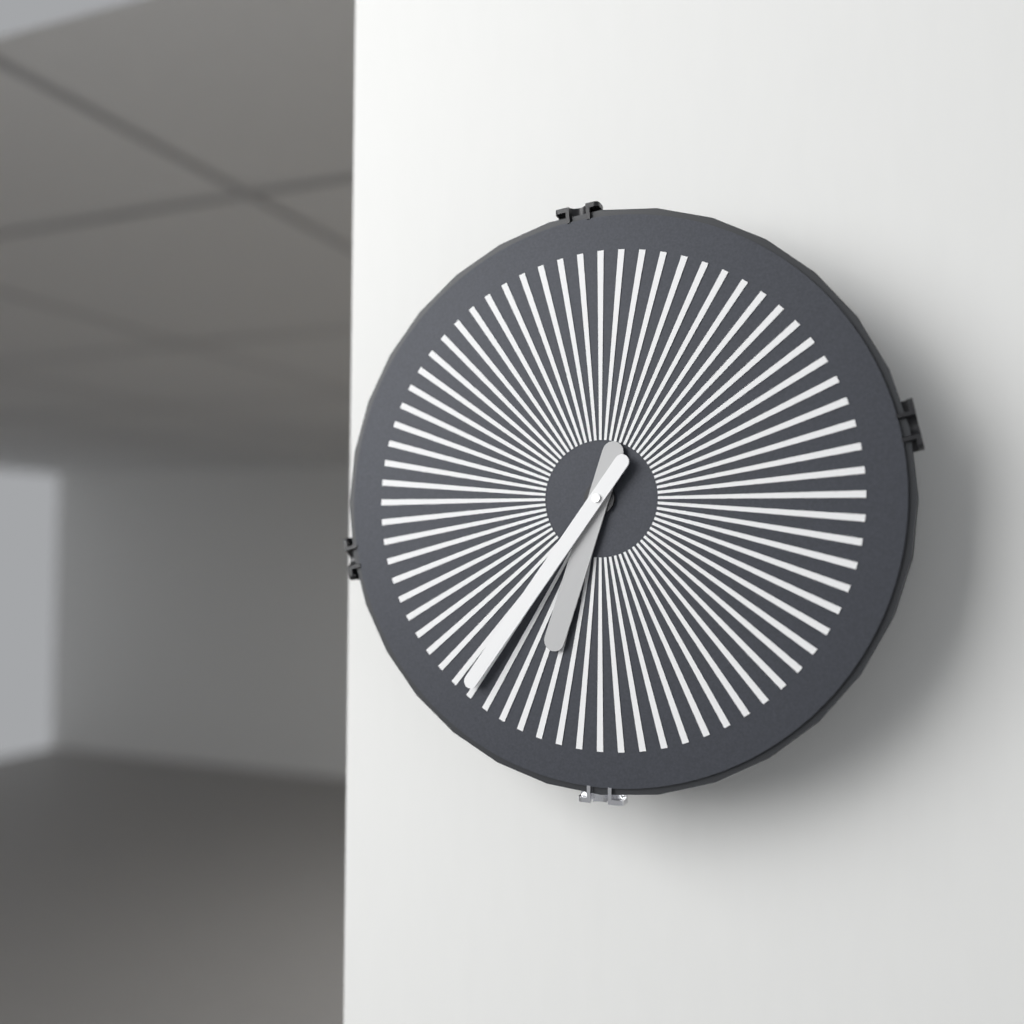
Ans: h=6 m=36
